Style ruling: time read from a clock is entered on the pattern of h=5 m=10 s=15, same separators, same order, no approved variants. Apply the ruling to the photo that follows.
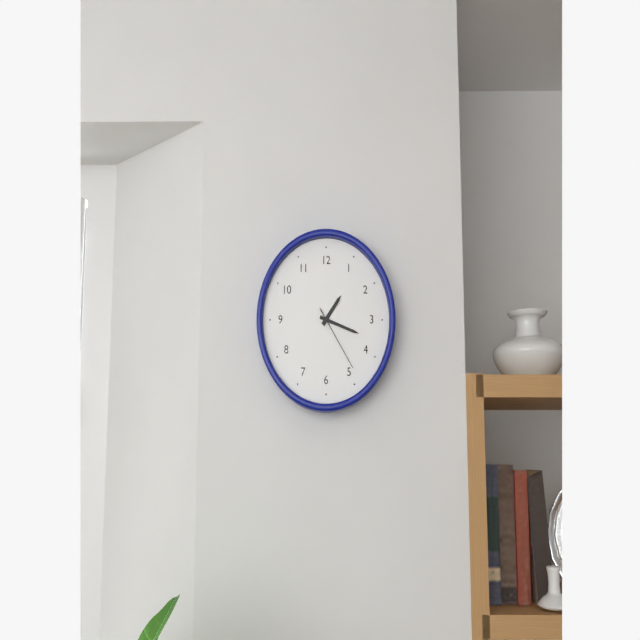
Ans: h=1 m=18 s=24
